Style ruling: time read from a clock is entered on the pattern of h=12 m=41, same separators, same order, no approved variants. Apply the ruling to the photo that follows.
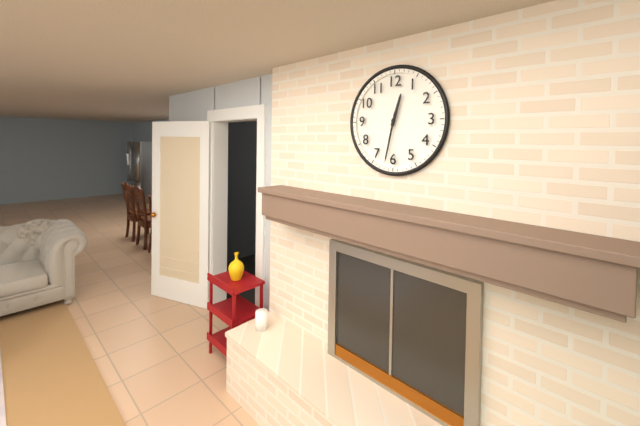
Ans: h=12 m=32
